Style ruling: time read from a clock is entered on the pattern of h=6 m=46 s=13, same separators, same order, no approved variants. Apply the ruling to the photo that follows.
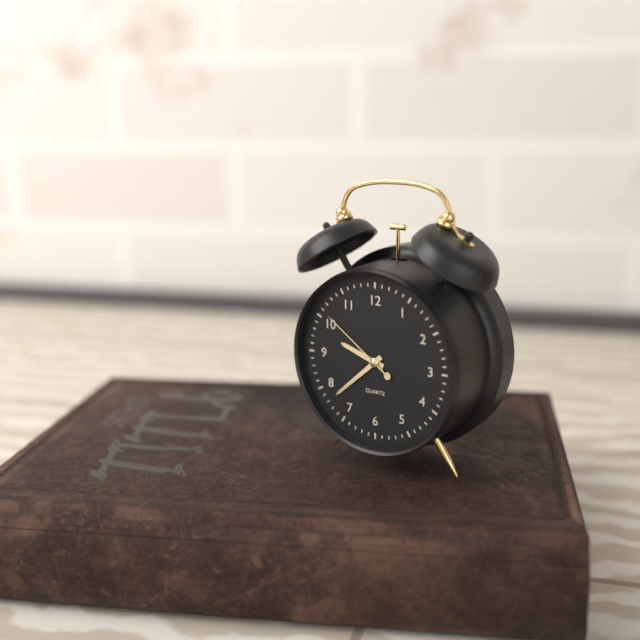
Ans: h=9 m=38 s=51
